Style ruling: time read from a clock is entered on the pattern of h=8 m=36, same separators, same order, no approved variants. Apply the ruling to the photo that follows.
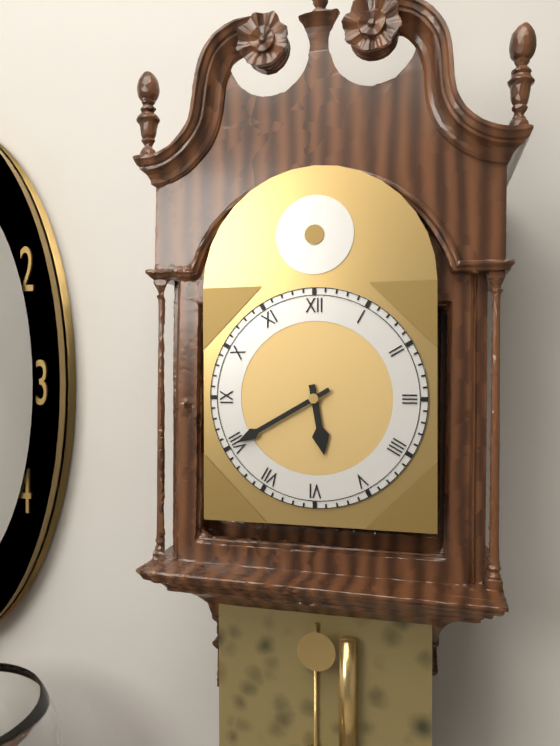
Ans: h=5 m=40
